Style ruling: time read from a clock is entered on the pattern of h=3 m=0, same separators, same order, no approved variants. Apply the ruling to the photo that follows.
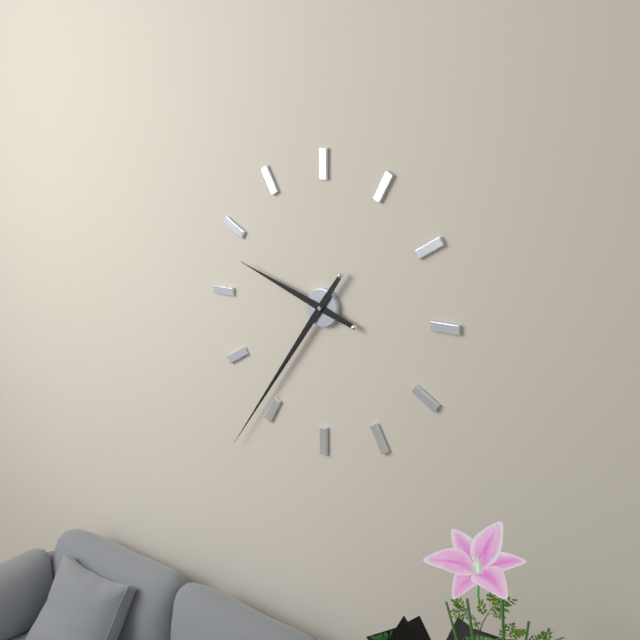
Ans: h=9 m=36
